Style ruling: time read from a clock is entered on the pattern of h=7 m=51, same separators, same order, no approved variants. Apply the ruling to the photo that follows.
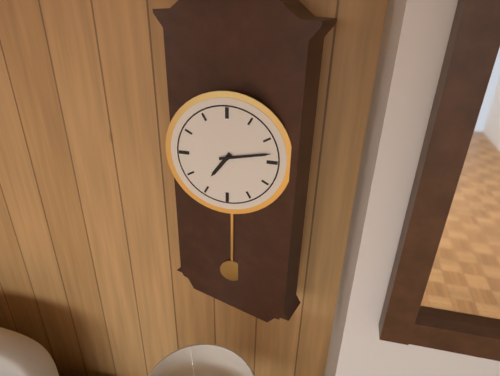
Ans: h=7 m=13
